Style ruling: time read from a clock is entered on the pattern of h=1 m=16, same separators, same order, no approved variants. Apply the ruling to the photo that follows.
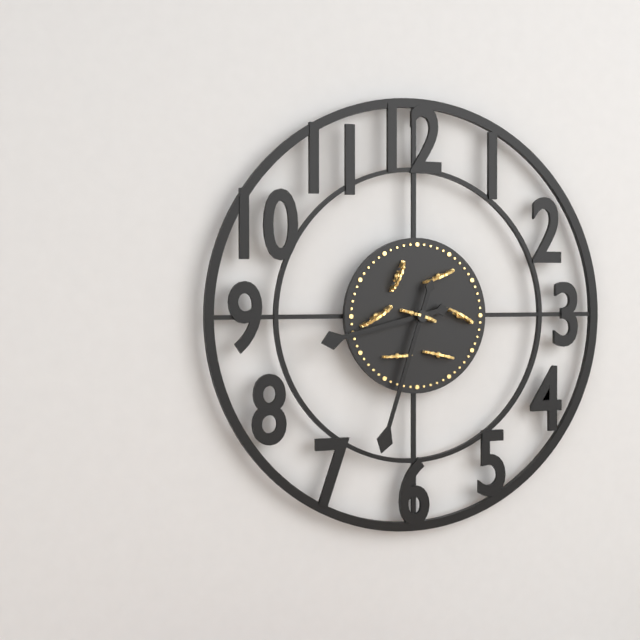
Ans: h=8 m=33
